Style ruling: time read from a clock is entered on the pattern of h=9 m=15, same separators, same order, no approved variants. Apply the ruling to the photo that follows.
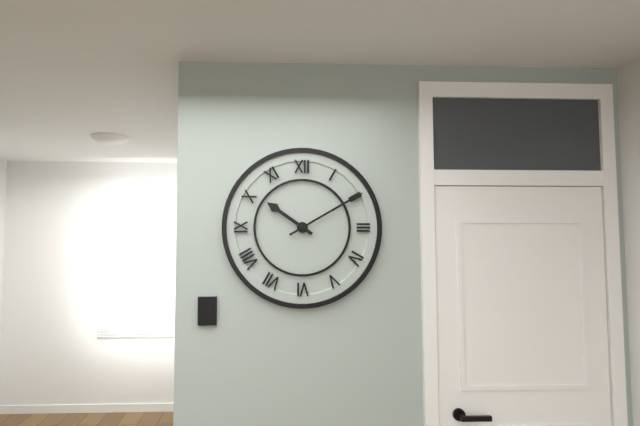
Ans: h=10 m=10
